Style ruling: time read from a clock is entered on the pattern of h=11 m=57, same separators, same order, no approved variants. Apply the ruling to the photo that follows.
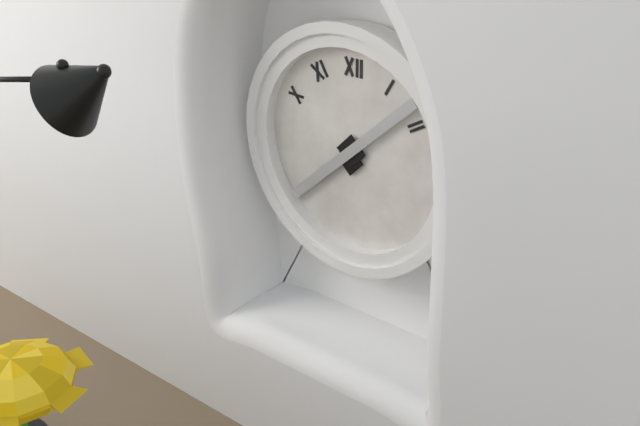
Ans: h=7 m=38
